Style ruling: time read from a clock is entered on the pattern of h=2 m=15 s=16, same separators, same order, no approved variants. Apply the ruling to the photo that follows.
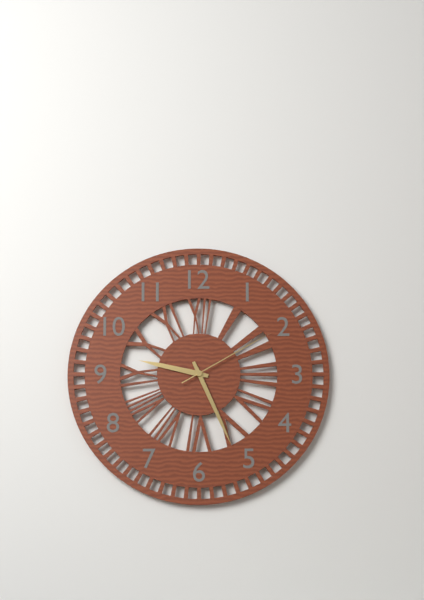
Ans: h=9 m=26 s=10
